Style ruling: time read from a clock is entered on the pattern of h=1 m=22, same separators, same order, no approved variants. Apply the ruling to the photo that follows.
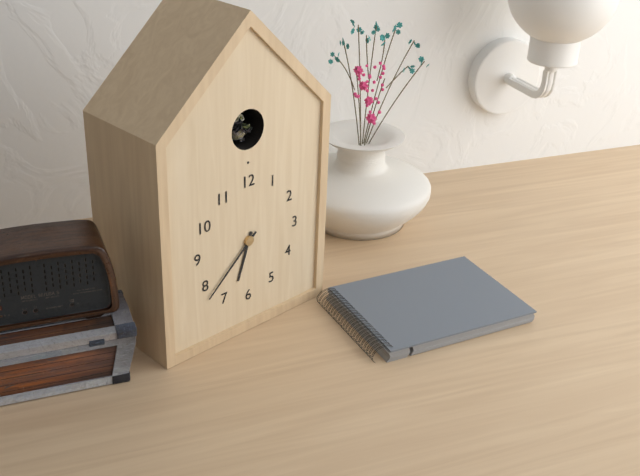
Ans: h=6 m=38
